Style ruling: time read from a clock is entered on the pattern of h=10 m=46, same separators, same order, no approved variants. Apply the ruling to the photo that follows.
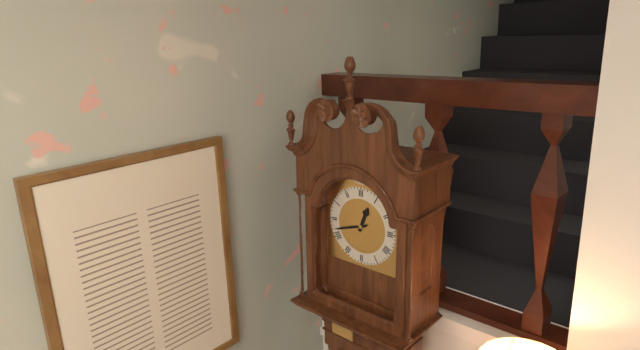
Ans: h=12 m=42
